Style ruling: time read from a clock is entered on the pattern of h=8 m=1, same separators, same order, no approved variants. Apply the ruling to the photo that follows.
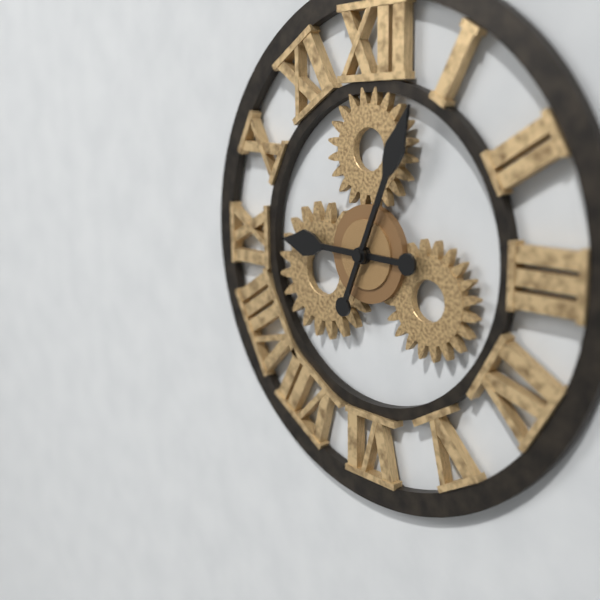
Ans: h=9 m=4
